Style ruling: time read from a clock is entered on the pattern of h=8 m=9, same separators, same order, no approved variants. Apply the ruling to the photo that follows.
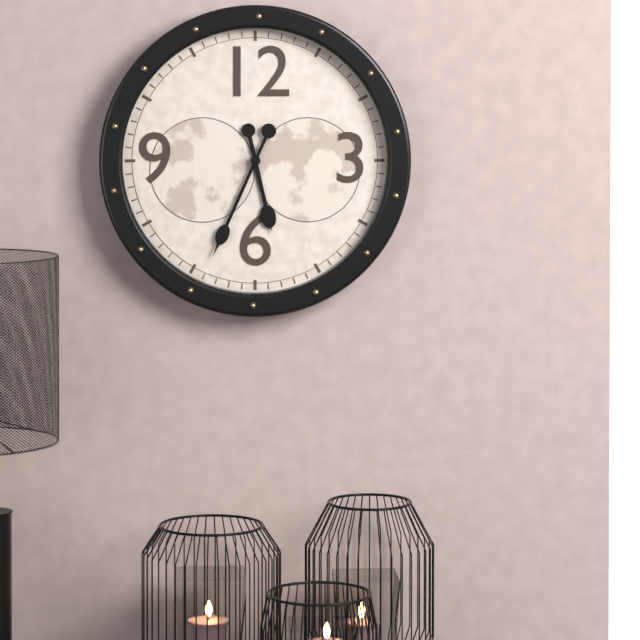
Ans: h=5 m=34
